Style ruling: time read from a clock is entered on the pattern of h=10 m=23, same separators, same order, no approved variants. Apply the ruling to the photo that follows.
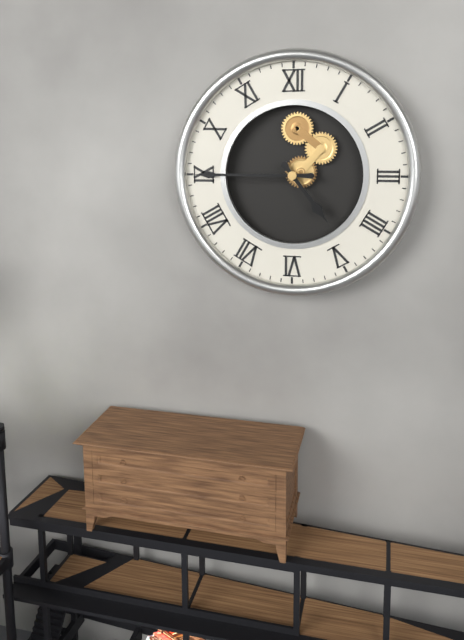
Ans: h=4 m=45
